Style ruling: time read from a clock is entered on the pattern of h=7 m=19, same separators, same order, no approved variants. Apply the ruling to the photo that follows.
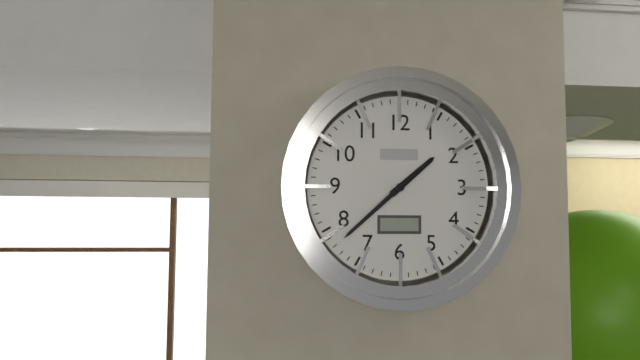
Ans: h=1 m=38
